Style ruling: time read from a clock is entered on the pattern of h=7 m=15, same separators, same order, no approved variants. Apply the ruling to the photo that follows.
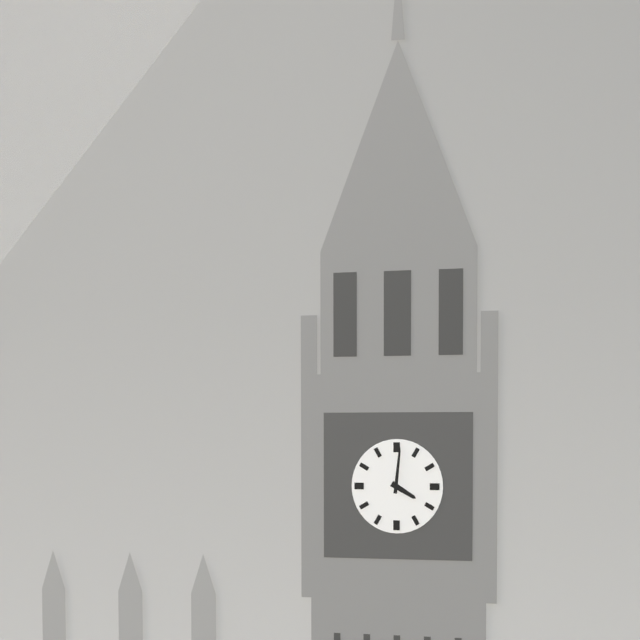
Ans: h=4 m=1
